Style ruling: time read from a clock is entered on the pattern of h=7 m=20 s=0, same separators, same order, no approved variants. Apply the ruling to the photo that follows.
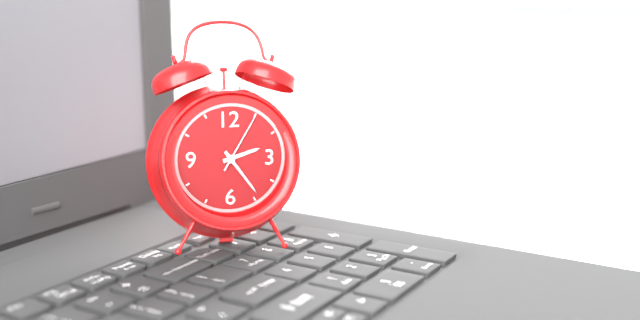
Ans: h=2 m=24 s=5
